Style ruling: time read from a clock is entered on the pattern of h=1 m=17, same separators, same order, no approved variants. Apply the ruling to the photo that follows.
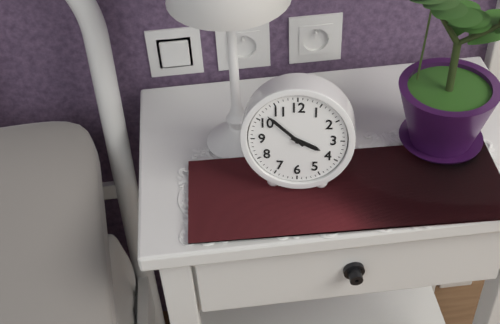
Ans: h=3 m=52
